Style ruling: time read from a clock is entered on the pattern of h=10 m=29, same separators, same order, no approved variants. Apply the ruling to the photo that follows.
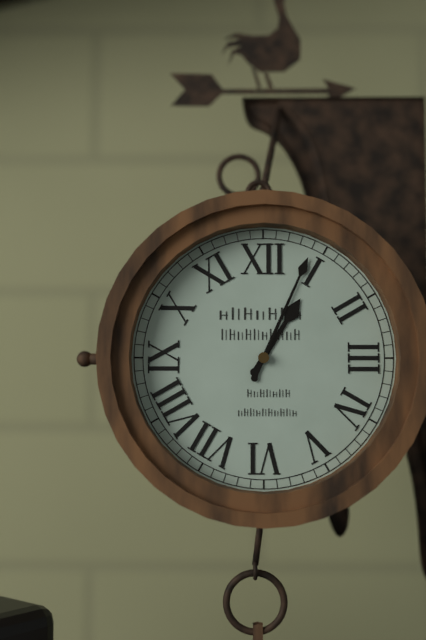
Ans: h=1 m=4
